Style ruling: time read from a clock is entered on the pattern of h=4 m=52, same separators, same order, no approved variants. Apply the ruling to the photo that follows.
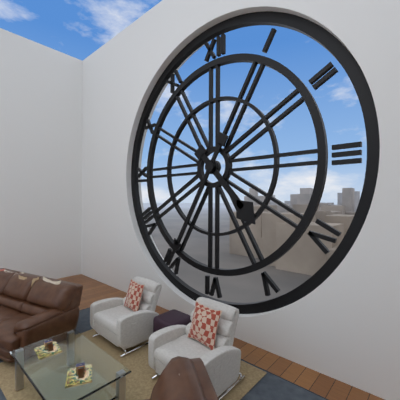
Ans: h=4 m=35
